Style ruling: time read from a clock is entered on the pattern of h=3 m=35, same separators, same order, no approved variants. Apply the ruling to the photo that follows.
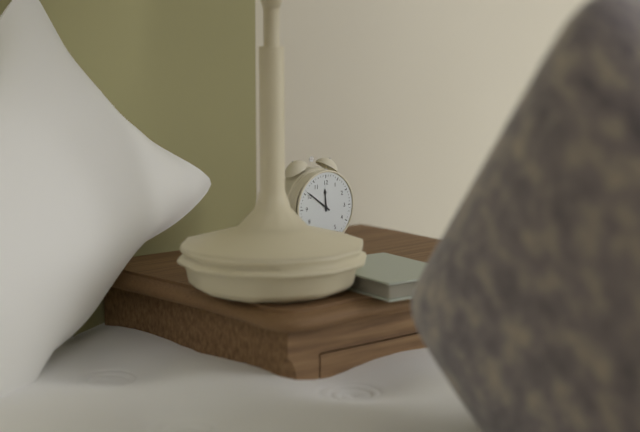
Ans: h=11 m=51
